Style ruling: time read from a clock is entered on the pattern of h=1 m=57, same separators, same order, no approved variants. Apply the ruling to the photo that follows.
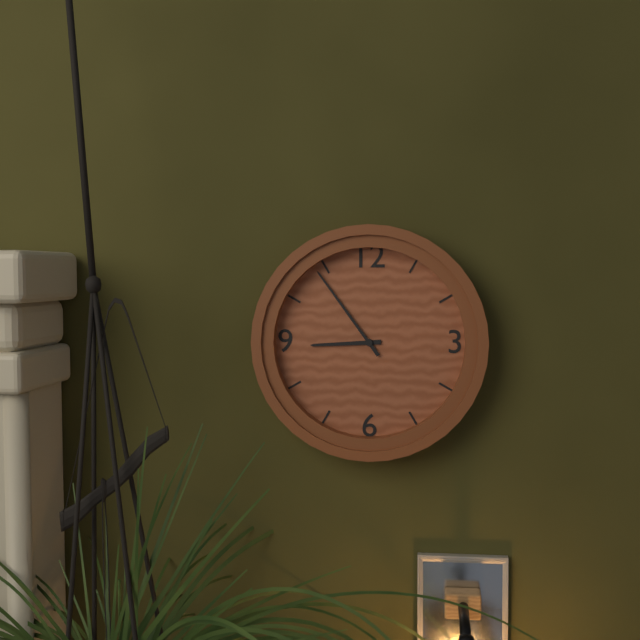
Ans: h=8 m=54
